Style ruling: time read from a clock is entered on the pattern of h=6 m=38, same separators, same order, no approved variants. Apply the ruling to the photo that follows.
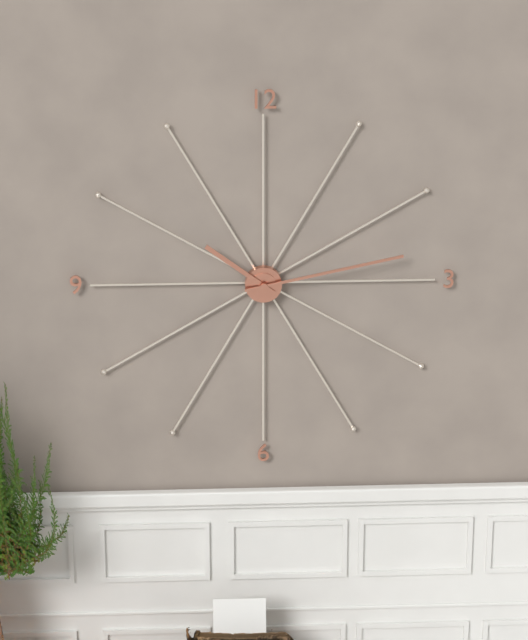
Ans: h=10 m=13
